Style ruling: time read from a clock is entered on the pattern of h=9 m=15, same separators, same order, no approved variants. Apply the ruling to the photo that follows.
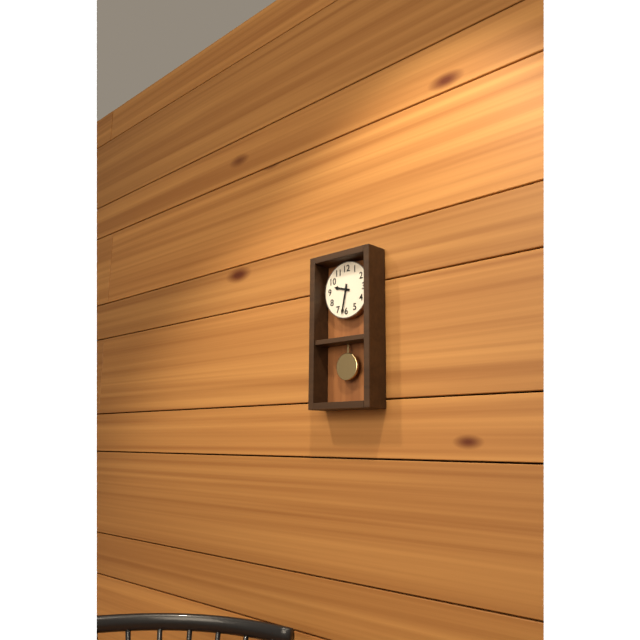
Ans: h=9 m=32
